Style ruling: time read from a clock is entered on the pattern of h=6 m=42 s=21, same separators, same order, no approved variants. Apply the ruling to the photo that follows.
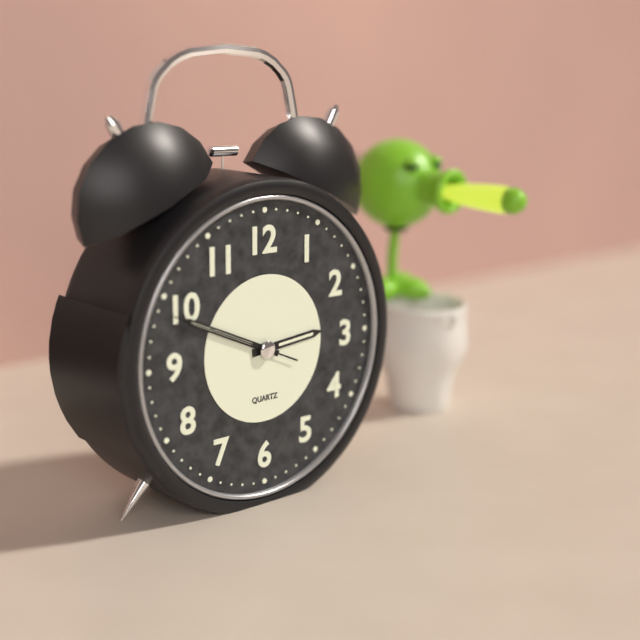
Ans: h=2 m=49 s=49
